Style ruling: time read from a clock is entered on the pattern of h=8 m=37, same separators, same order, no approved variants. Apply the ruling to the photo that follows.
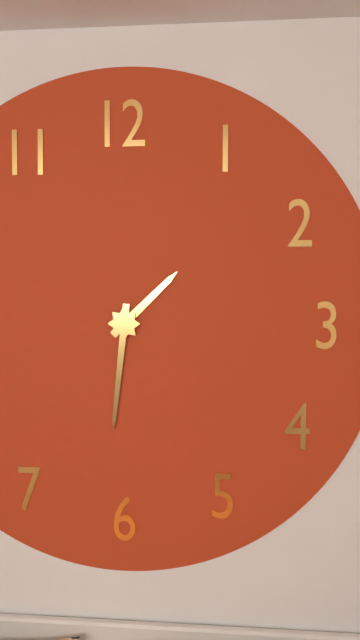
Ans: h=1 m=31
